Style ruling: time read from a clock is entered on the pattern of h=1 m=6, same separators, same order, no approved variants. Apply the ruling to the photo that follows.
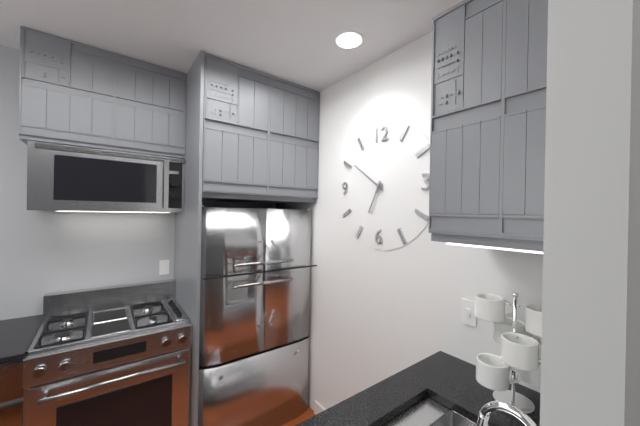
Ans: h=6 m=51
